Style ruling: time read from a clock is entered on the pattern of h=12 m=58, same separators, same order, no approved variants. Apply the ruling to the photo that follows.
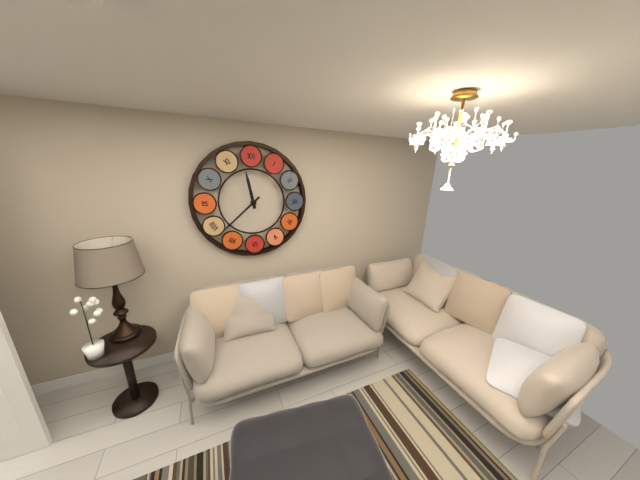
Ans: h=11 m=38
